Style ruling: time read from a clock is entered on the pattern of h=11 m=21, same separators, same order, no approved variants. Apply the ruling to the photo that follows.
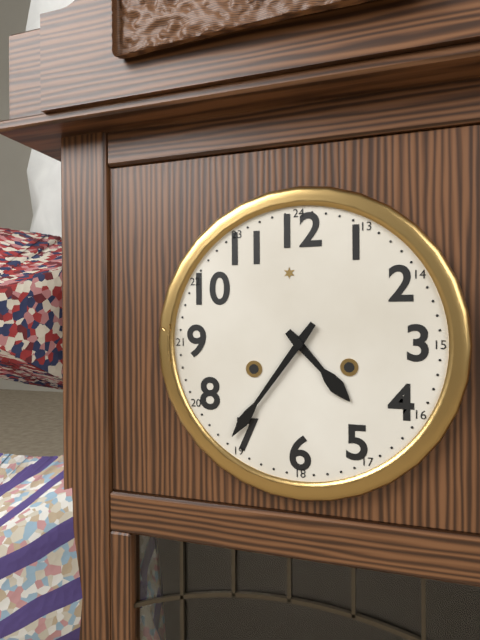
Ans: h=4 m=36
